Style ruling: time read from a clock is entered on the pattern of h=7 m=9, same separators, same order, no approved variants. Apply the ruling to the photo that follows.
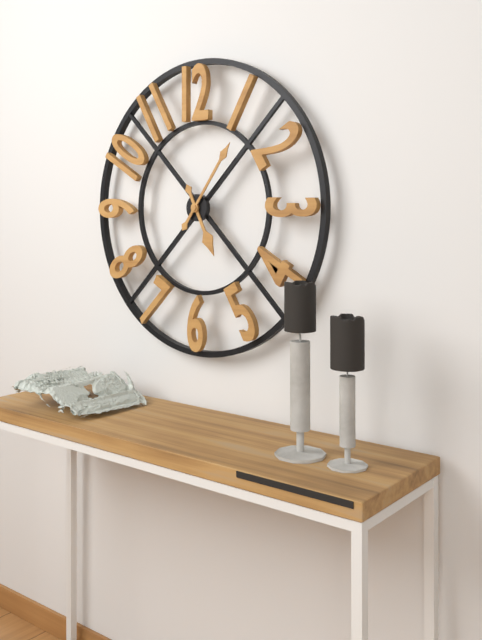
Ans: h=5 m=6
